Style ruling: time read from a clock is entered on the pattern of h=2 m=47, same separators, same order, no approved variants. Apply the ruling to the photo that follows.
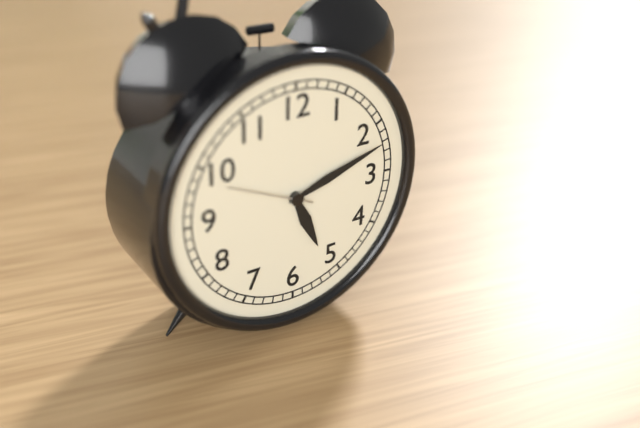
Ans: h=5 m=12
